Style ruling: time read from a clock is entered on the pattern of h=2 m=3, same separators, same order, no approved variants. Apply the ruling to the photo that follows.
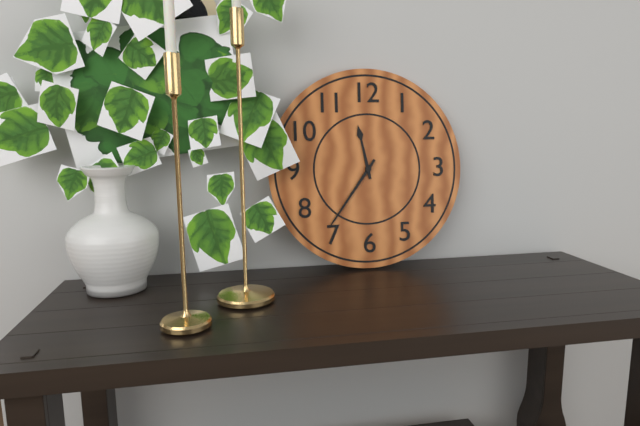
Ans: h=11 m=36
